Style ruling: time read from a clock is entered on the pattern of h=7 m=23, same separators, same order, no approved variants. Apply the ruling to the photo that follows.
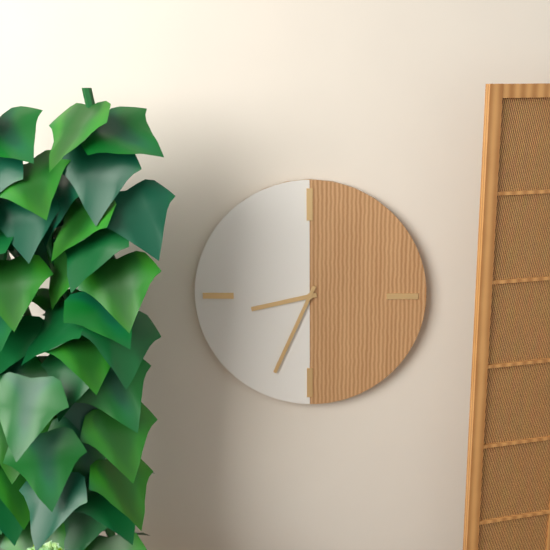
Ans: h=8 m=34
